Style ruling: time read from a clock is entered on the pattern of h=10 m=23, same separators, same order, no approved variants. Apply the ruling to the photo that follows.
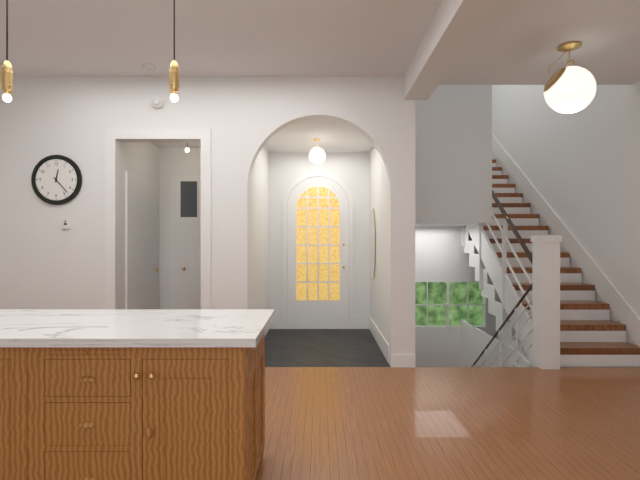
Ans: h=12 m=23
